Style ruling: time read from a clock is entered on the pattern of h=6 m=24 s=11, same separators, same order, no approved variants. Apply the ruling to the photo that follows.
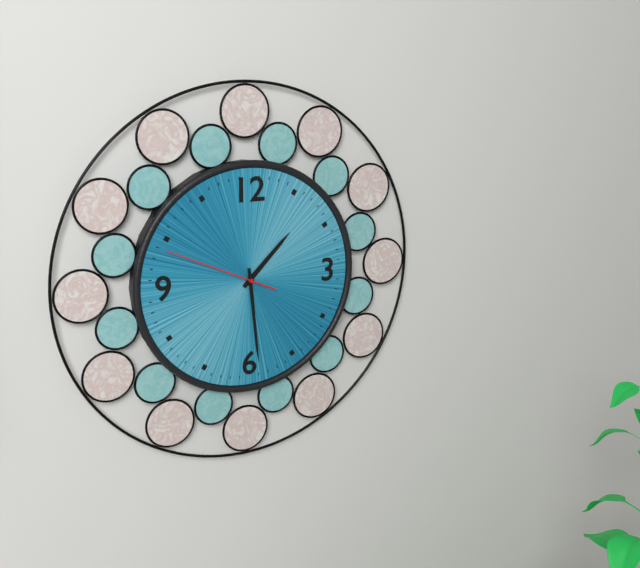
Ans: h=1 m=29 s=49
